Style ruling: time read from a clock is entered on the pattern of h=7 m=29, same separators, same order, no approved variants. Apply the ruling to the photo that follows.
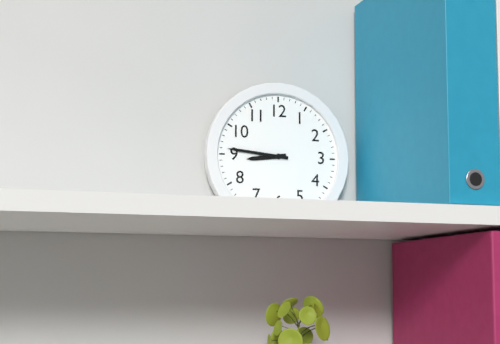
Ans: h=8 m=46
